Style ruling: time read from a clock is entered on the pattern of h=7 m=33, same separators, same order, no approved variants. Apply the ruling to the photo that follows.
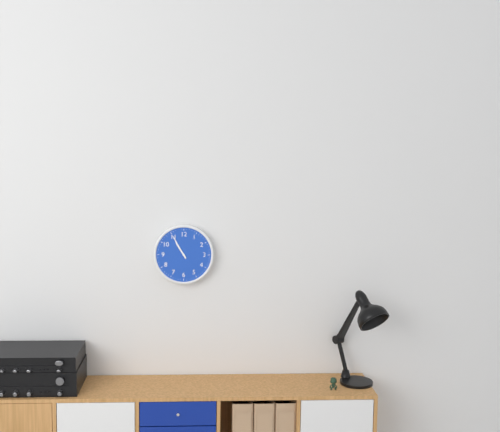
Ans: h=10 m=55
